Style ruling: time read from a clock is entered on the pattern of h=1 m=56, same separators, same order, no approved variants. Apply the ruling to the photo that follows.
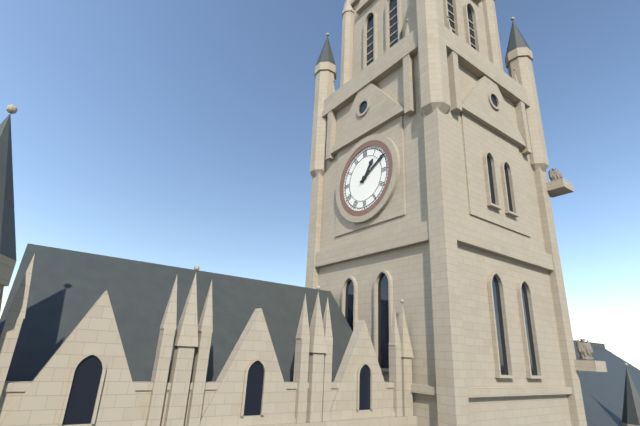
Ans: h=1 m=10
